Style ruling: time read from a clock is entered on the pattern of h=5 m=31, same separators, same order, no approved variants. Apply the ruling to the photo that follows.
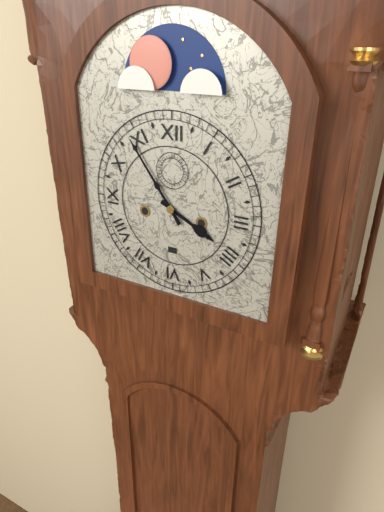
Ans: h=3 m=54
